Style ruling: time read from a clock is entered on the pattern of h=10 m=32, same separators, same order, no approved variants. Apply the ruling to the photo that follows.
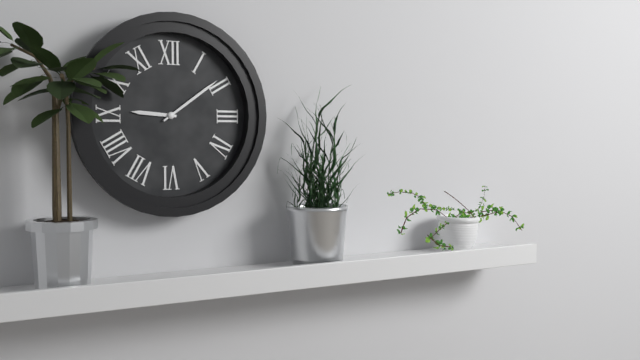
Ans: h=9 m=9
